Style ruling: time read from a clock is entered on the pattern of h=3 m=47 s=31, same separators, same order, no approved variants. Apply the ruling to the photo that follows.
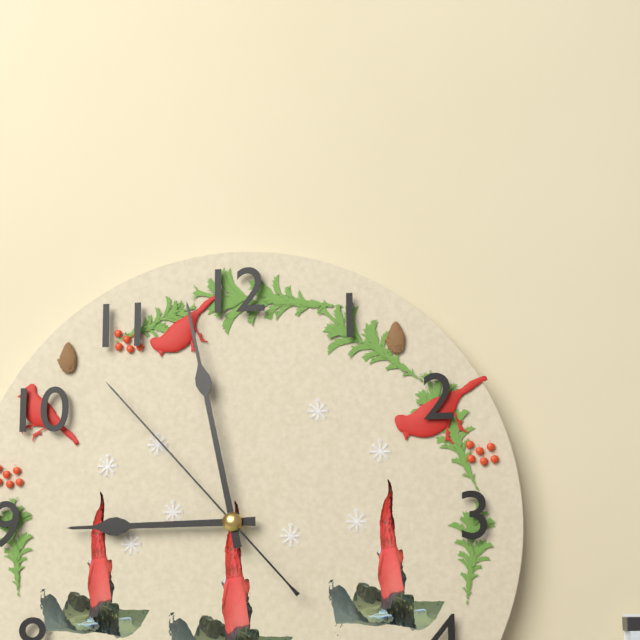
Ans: h=8 m=58 s=53
